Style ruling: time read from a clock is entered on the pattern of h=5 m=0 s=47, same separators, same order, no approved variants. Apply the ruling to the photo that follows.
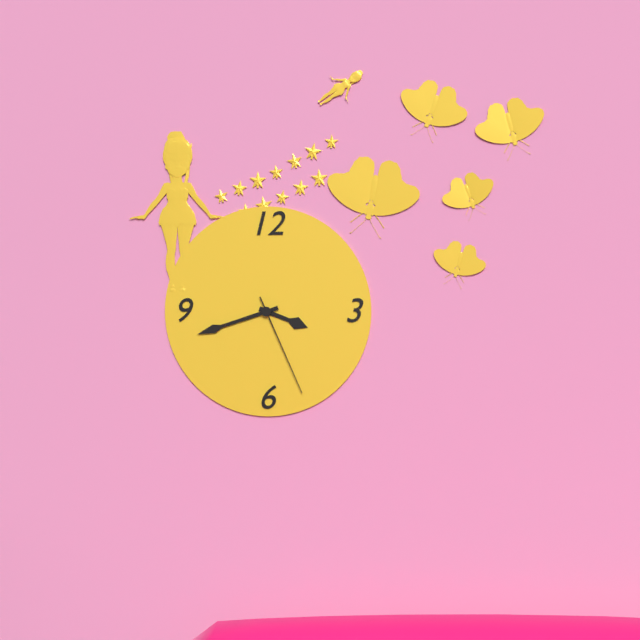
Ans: h=3 m=42 s=26
